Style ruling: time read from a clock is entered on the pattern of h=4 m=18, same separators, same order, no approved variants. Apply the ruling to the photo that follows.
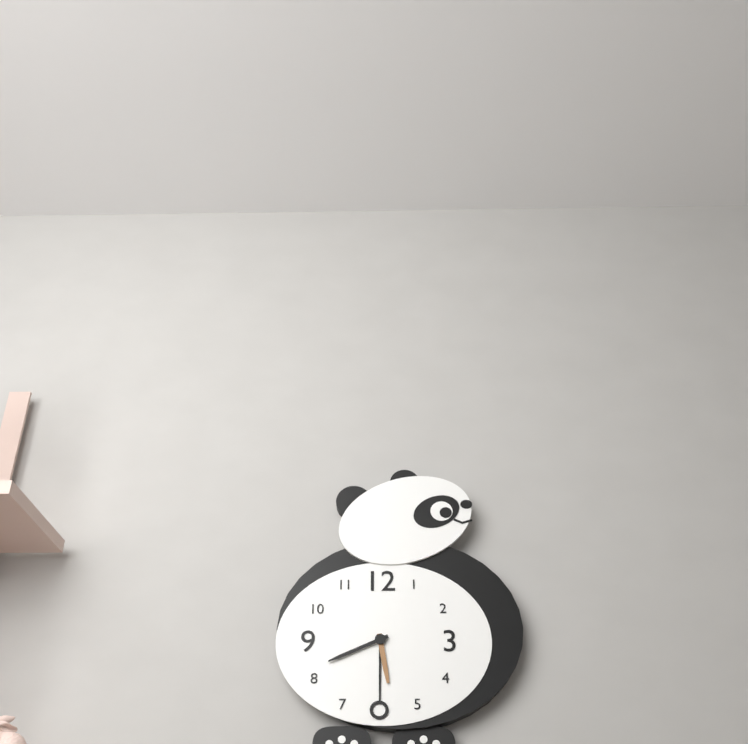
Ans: h=5 m=41
